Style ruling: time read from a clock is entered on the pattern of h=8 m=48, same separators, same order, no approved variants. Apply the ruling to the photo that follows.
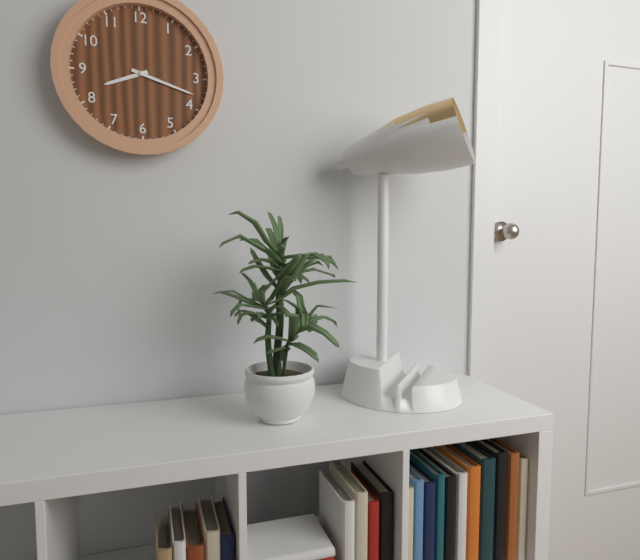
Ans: h=8 m=18
